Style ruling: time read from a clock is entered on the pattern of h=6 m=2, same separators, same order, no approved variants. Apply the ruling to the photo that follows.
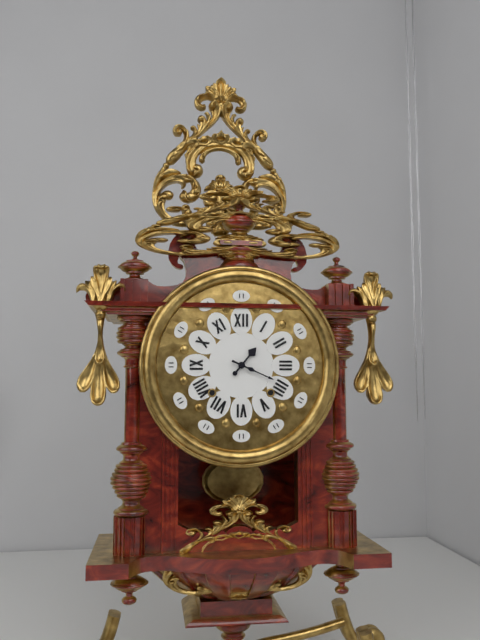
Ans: h=1 m=19
